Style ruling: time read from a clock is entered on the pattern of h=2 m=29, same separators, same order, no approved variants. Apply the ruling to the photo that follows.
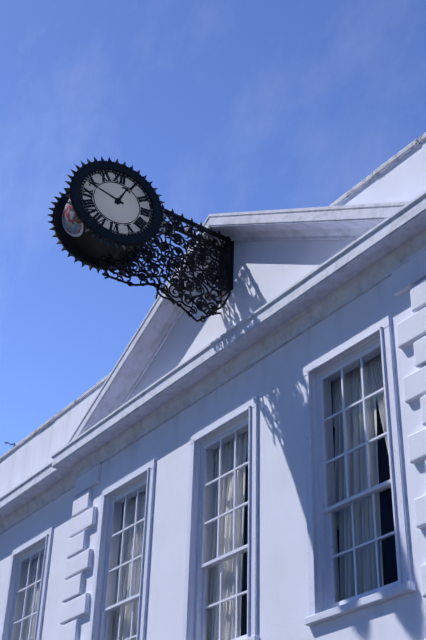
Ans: h=12 m=48
